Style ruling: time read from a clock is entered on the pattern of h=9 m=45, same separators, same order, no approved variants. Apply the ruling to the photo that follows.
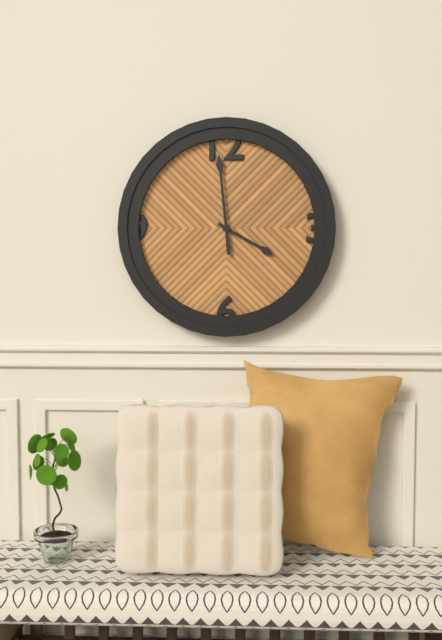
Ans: h=3 m=59
